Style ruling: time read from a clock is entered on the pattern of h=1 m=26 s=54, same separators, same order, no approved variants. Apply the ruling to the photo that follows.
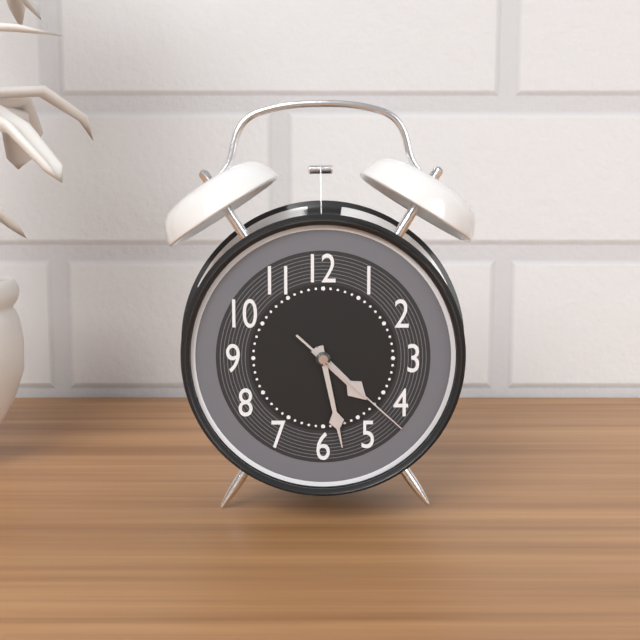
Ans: h=4 m=28 s=22
